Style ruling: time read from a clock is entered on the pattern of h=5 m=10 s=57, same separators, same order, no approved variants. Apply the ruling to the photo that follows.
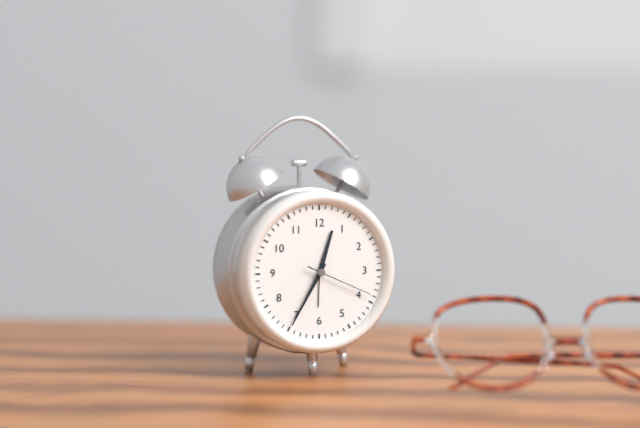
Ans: h=12 m=35 s=19
